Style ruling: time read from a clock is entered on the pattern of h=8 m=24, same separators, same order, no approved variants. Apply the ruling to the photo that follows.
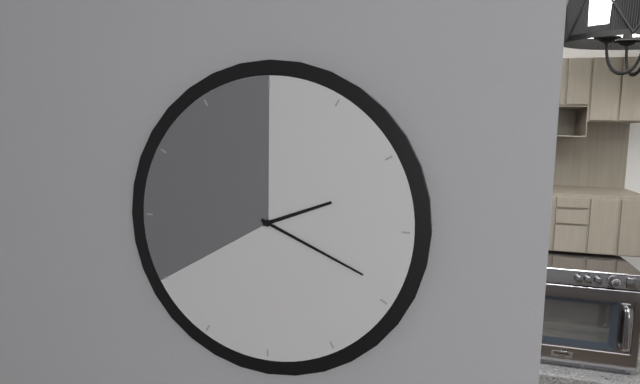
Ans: h=2 m=19
